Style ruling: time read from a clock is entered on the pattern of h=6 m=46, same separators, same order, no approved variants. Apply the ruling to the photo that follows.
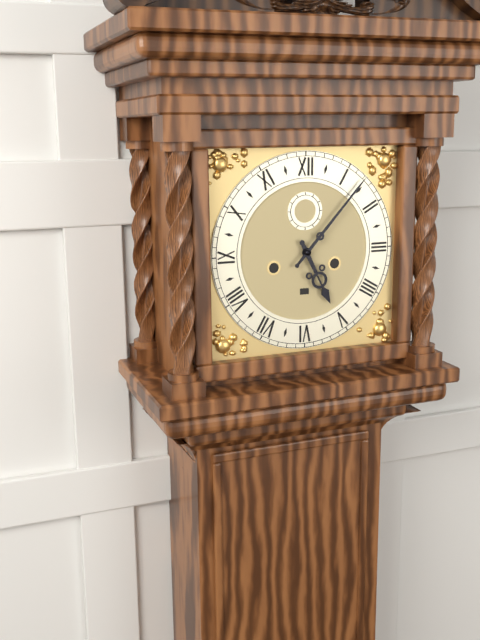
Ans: h=5 m=7
